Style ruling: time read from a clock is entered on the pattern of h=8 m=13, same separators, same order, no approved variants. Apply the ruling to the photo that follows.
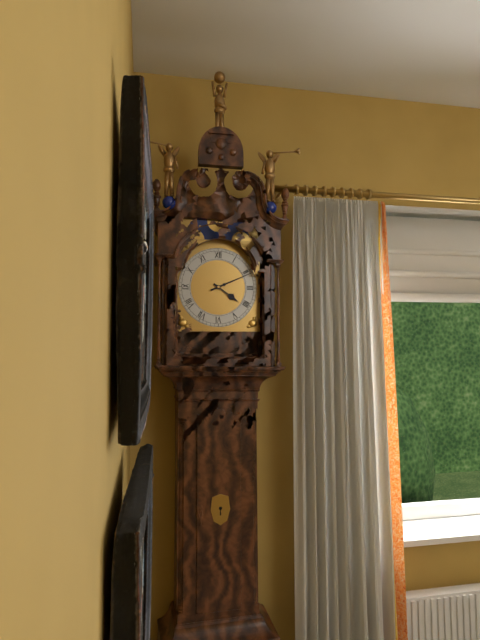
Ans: h=4 m=11
